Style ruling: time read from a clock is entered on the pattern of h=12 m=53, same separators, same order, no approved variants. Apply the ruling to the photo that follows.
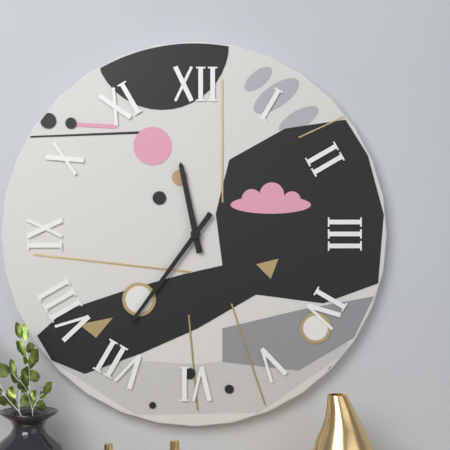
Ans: h=11 m=36
